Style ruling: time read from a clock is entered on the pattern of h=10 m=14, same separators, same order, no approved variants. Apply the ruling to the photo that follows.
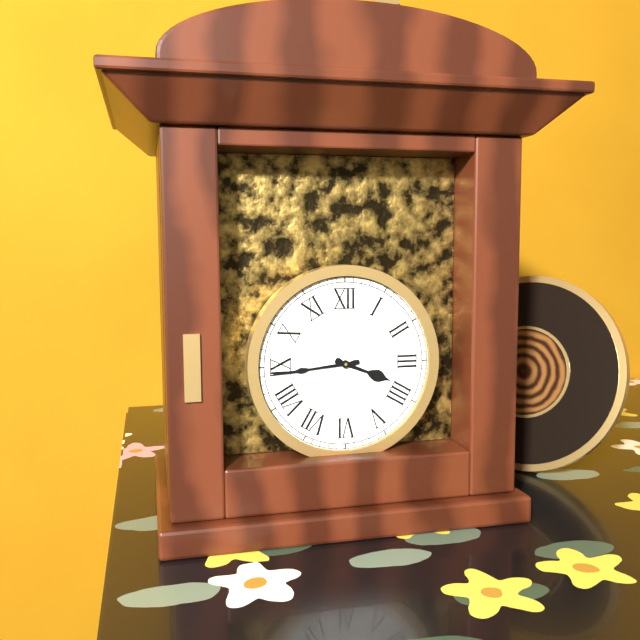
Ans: h=3 m=44
